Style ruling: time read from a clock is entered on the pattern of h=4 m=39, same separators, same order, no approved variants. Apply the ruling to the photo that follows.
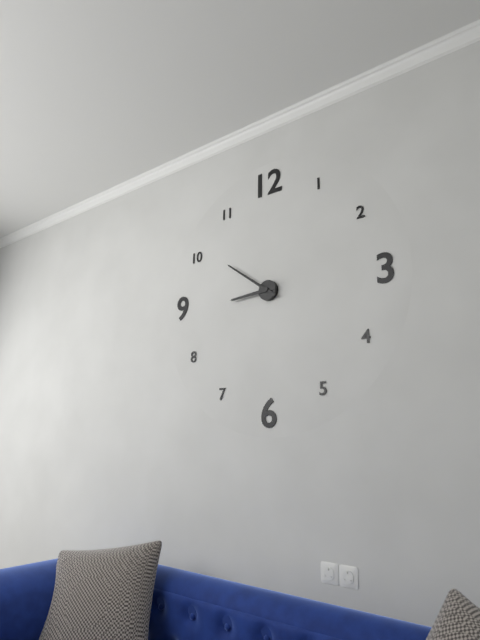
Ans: h=8 m=51
